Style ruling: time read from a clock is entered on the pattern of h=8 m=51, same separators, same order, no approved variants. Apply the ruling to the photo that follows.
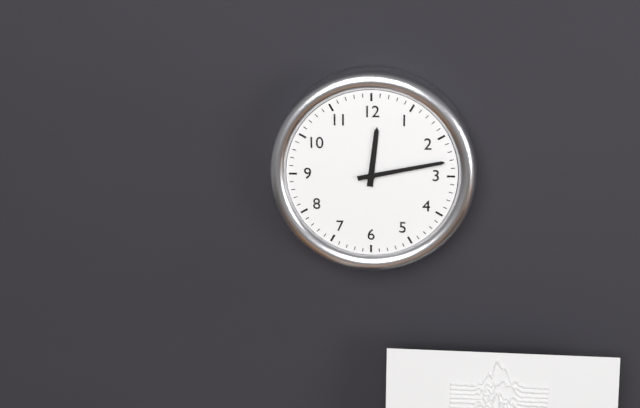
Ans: h=12 m=13
